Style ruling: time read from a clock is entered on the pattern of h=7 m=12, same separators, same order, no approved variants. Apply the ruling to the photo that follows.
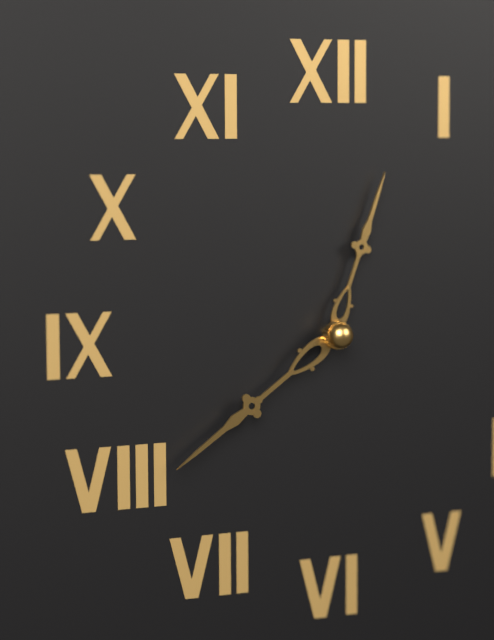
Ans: h=12 m=39
